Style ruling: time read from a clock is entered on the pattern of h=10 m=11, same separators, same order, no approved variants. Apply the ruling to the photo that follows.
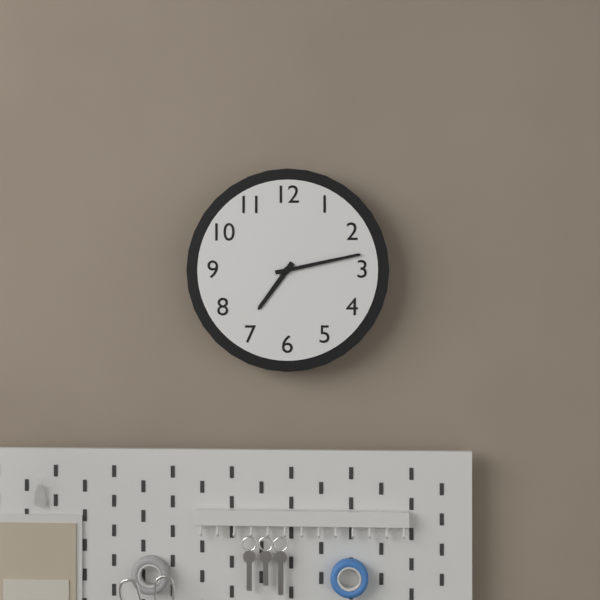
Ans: h=7 m=13
